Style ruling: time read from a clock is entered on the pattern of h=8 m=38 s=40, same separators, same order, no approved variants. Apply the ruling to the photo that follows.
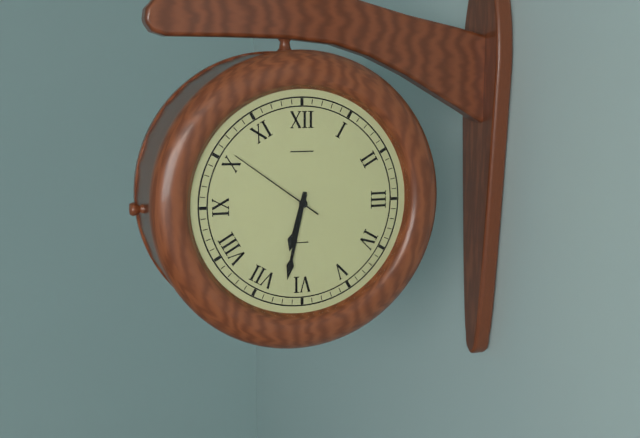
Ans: h=6 m=32 s=51
